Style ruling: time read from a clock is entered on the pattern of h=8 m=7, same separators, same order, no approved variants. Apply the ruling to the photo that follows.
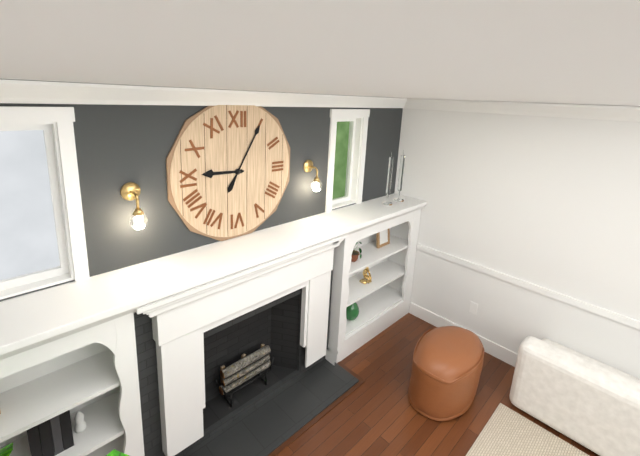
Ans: h=9 m=5
